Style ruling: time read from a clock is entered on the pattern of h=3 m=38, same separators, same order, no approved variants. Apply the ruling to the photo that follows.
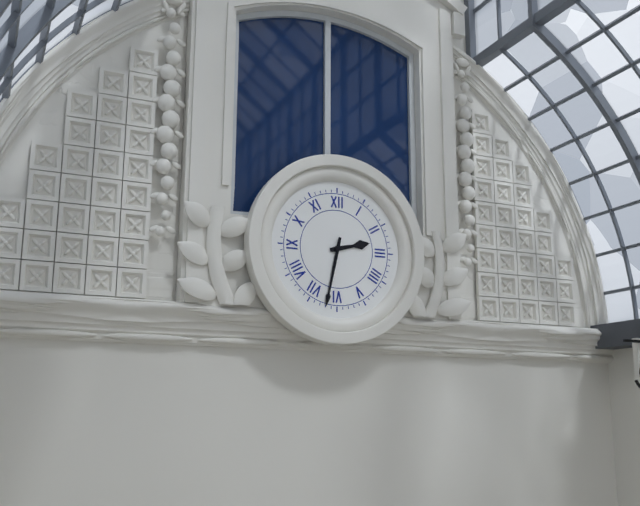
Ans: h=2 m=32
